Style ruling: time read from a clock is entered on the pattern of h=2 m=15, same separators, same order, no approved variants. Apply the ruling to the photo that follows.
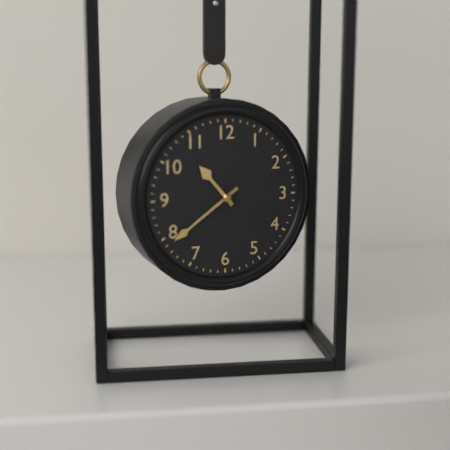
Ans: h=10 m=39
